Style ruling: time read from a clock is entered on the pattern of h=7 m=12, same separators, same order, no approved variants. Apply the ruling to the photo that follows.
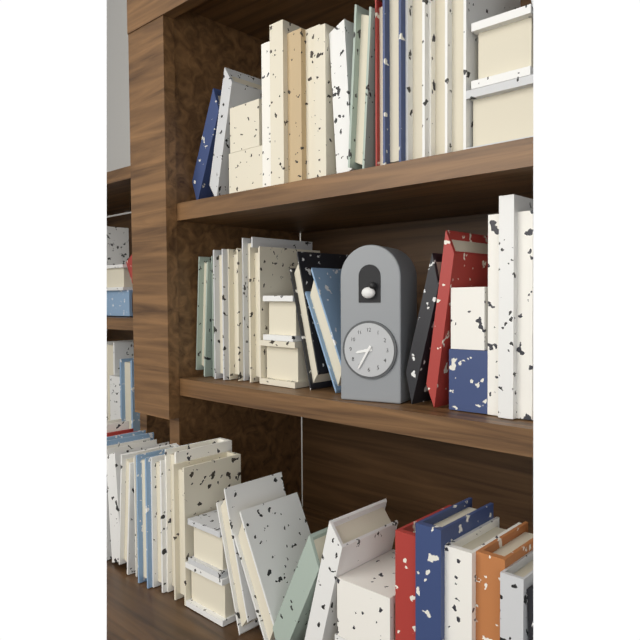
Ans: h=8 m=35
